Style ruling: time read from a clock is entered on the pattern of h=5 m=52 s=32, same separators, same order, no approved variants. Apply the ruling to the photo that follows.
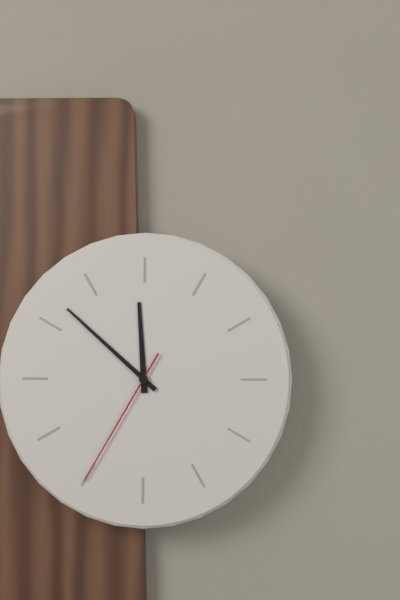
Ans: h=11 m=52 s=35
